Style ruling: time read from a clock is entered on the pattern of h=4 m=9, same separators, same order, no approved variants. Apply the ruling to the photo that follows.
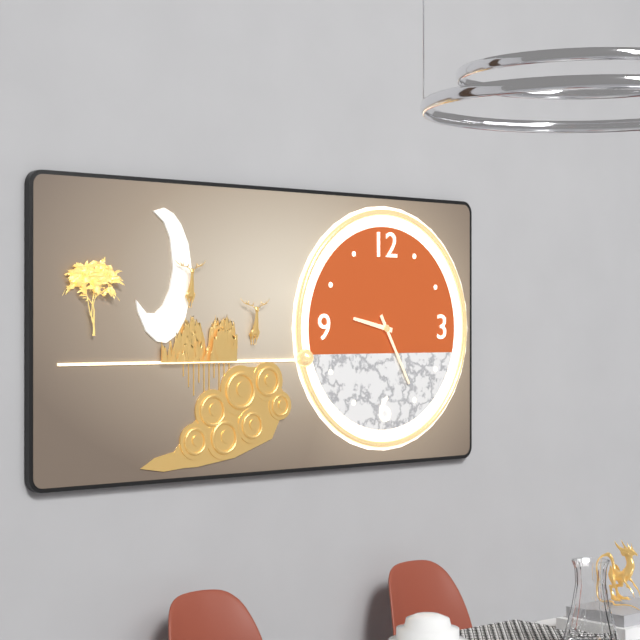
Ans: h=9 m=25
